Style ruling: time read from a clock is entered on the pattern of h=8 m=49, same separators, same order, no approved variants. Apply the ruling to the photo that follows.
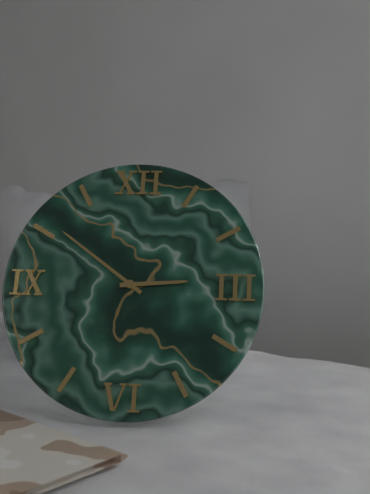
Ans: h=2 m=51
